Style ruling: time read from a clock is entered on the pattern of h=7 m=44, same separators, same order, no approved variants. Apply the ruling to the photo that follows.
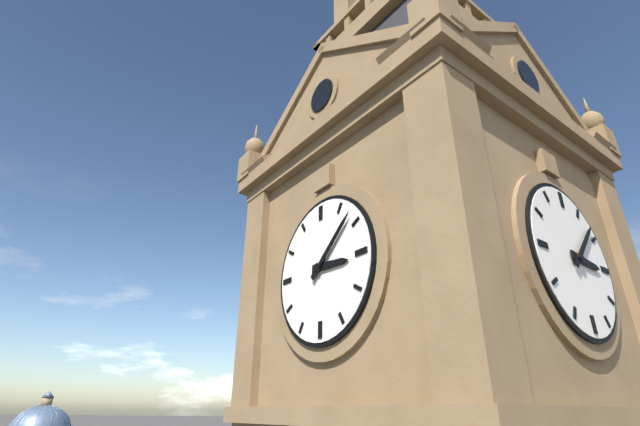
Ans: h=3 m=8
